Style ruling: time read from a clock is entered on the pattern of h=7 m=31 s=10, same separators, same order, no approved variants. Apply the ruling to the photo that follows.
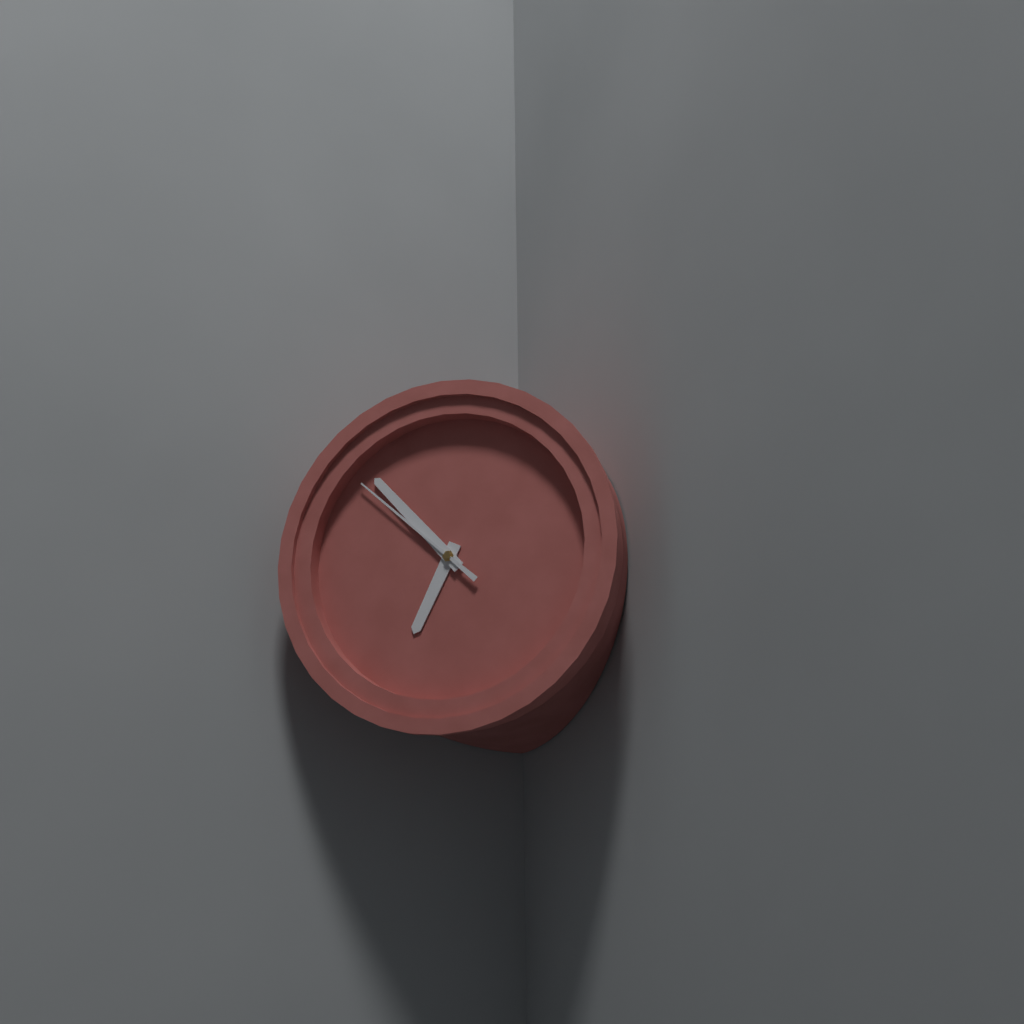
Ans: h=6 m=53 s=52
